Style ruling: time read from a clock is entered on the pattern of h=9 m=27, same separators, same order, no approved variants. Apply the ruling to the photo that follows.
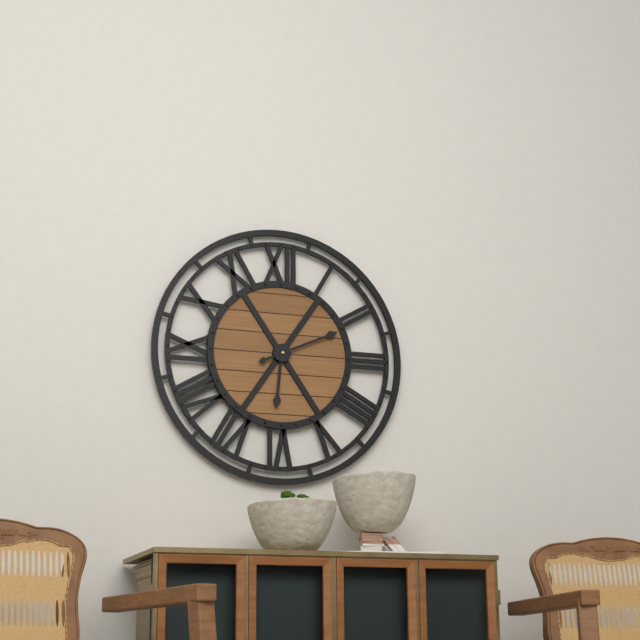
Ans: h=6 m=11
